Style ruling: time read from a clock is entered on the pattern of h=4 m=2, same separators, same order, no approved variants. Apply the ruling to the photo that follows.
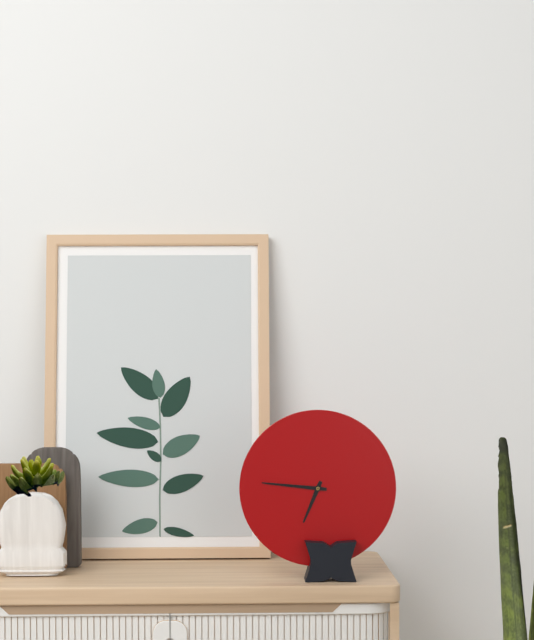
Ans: h=6 m=46
